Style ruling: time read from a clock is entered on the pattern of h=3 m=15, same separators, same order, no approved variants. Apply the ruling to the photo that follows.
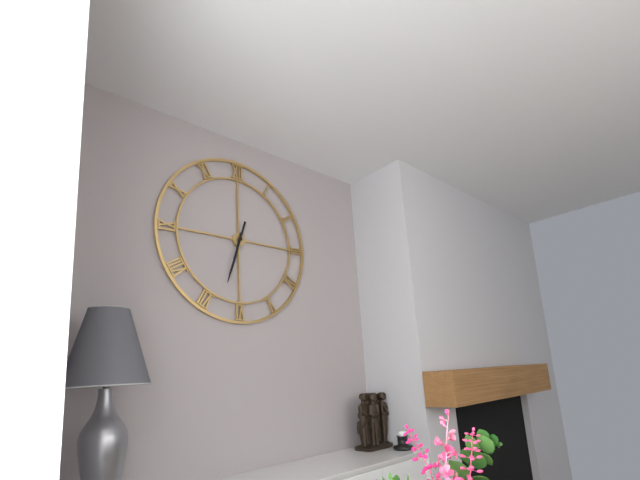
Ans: h=6 m=33
